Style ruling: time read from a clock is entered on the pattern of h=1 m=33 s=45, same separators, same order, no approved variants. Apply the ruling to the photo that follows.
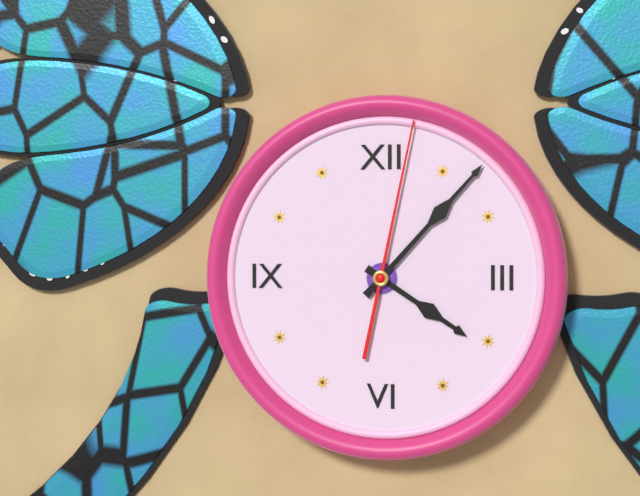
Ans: h=4 m=7 s=2
